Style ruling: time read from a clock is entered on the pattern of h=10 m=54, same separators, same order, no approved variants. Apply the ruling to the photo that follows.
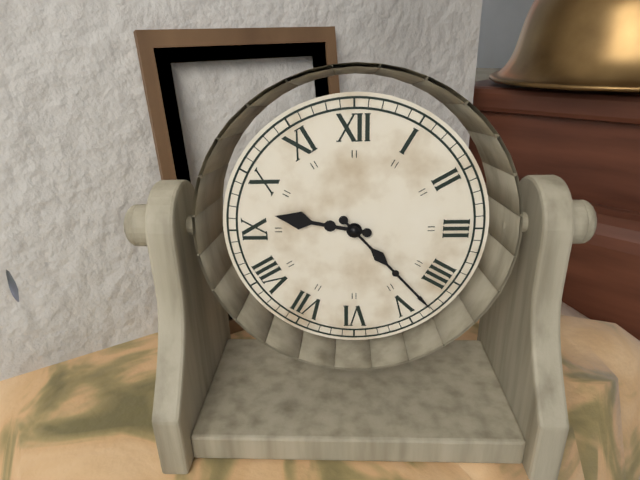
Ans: h=9 m=23
